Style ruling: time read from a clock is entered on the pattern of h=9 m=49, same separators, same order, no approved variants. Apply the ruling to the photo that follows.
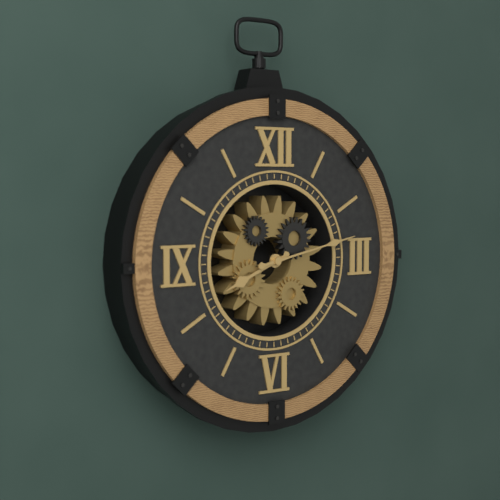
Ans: h=8 m=13
